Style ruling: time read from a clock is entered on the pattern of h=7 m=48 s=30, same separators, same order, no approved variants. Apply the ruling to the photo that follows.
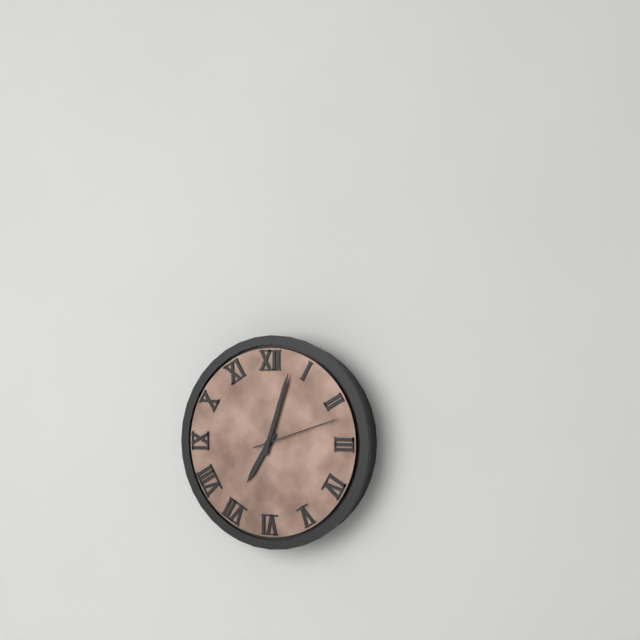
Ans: h=7 m=3 s=12
